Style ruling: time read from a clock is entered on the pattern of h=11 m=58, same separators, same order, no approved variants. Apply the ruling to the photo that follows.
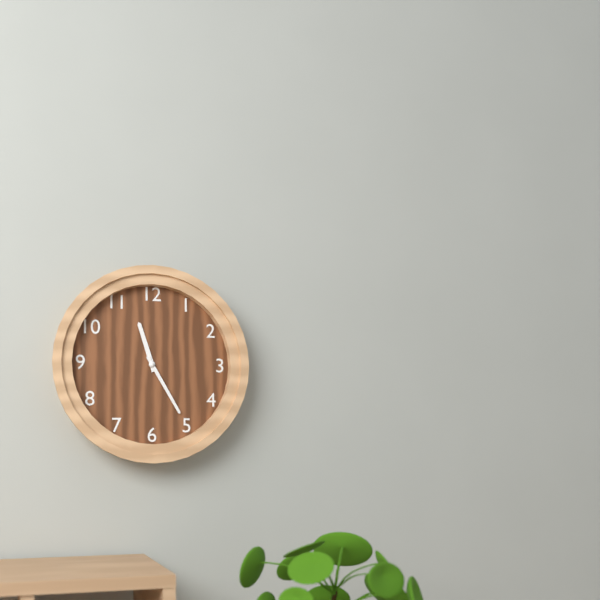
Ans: h=11 m=25
